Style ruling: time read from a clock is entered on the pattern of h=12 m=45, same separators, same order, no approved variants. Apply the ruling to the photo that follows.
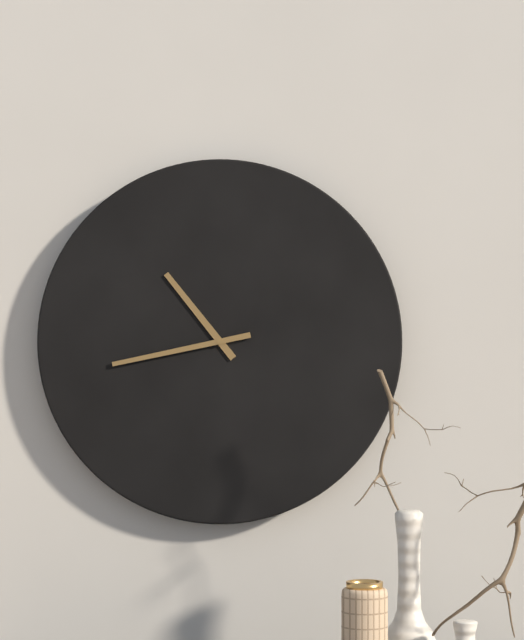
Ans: h=10 m=43
